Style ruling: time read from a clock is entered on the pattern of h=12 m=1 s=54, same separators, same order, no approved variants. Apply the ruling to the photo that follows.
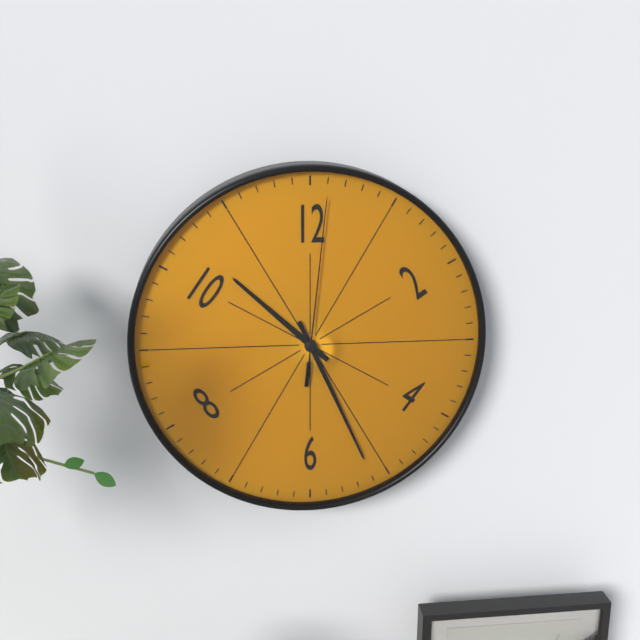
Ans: h=10 m=26 s=1
